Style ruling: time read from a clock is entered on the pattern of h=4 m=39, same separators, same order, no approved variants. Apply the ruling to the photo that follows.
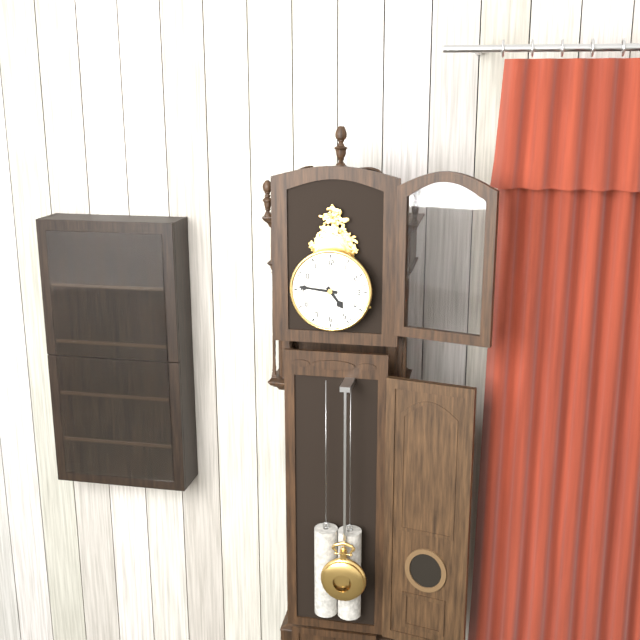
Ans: h=4 m=46
